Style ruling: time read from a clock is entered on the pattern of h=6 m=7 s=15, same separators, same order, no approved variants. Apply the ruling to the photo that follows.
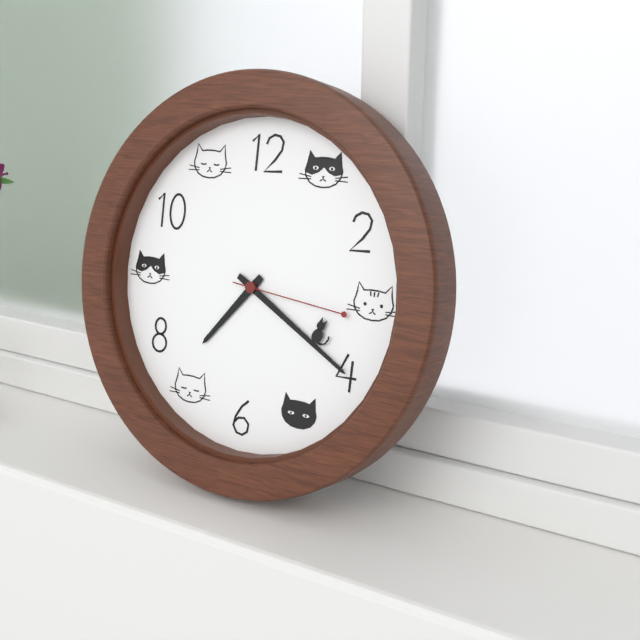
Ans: h=7 m=20 s=16
